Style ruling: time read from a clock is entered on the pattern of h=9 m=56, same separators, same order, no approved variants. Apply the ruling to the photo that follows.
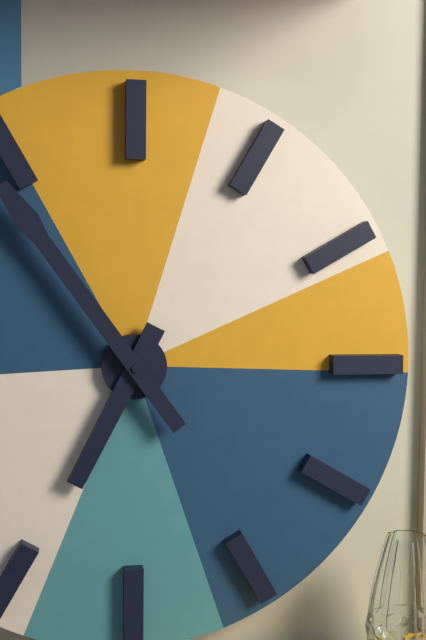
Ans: h=6 m=54
